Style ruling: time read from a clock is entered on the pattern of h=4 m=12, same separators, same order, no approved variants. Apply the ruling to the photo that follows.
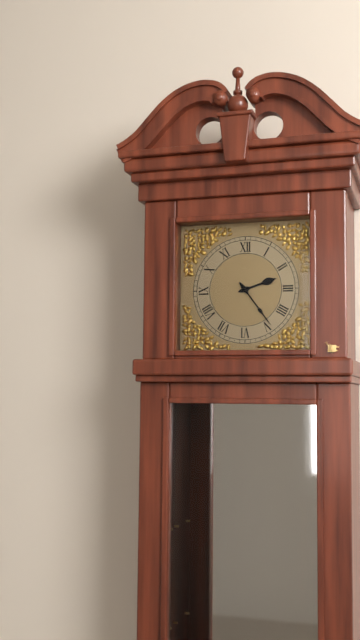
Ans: h=2 m=24
